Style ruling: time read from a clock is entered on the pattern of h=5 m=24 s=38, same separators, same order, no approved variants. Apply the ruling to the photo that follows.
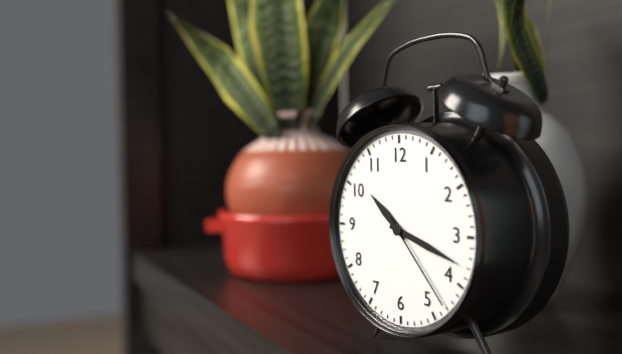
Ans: h=10 m=18 s=23
